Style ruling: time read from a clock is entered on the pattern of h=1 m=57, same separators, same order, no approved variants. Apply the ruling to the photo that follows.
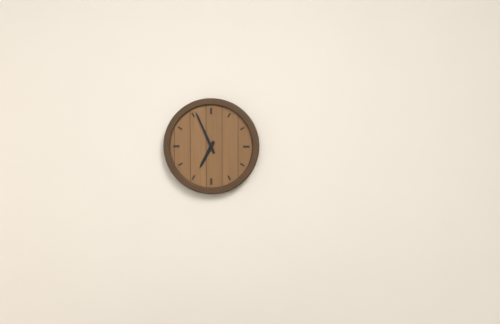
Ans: h=6 m=56
